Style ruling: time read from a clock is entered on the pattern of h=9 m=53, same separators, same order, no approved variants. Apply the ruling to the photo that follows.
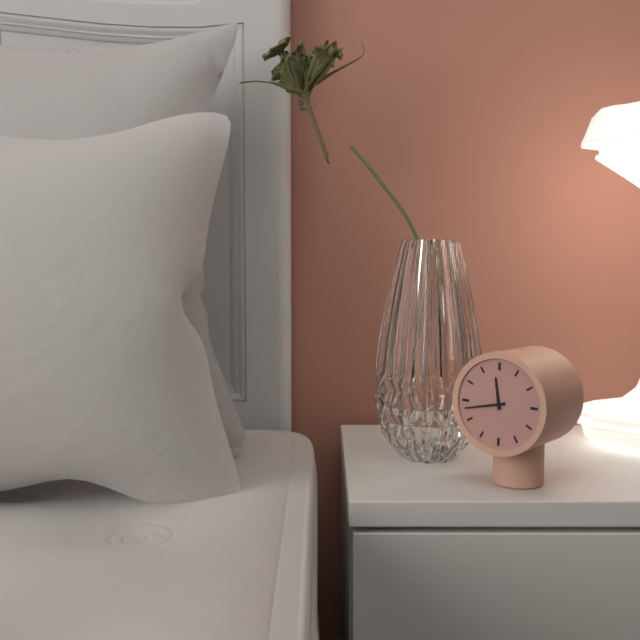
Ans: h=11 m=43
